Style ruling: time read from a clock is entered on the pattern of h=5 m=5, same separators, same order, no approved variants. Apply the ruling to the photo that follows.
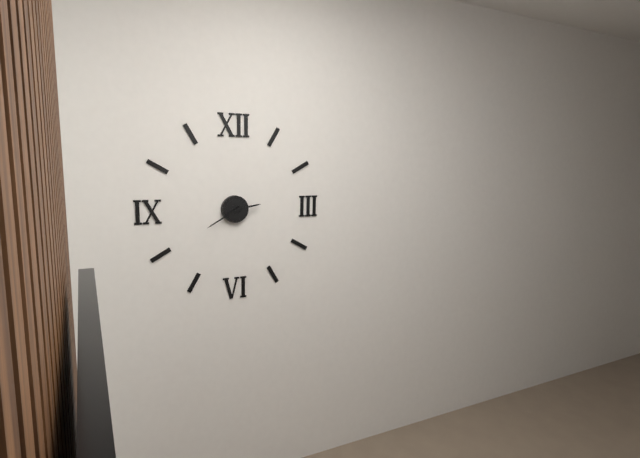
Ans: h=2 m=40
